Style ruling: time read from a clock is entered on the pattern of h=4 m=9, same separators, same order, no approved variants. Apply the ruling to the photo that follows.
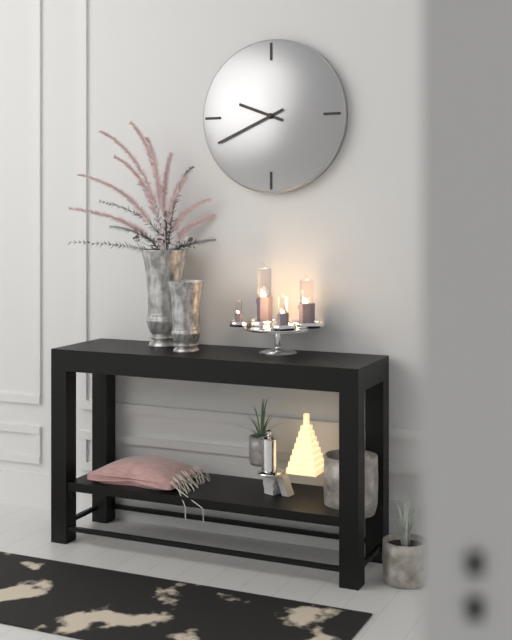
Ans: h=9 m=41
